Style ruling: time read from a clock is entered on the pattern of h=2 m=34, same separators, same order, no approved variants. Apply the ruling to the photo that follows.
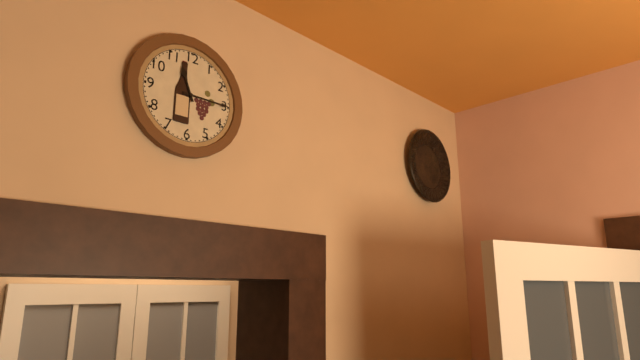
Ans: h=11 m=15
